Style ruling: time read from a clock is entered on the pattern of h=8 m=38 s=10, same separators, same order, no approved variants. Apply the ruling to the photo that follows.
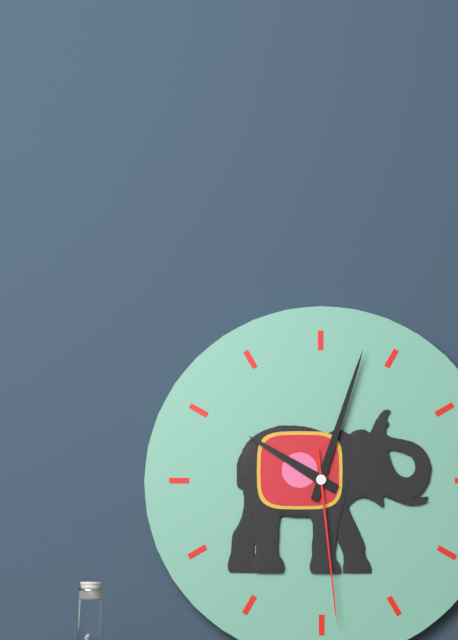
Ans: h=10 m=3 s=29
